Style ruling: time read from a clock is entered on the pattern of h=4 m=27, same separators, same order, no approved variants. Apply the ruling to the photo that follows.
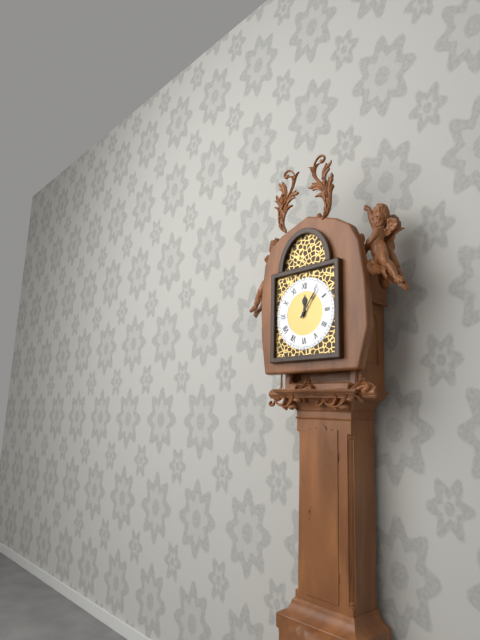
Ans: h=12 m=6
